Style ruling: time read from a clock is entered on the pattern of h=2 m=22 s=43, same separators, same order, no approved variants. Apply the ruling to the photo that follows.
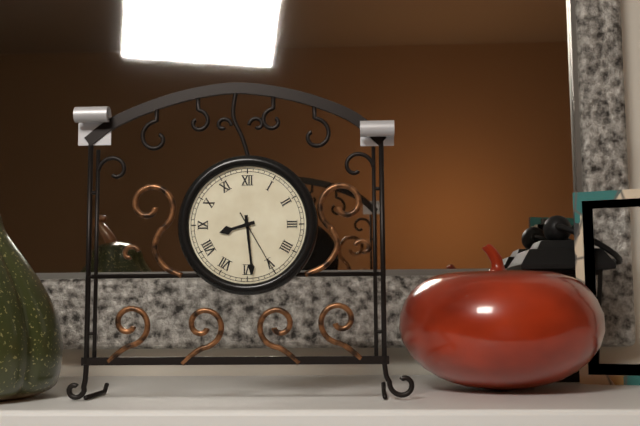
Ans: h=8 m=29 s=25
